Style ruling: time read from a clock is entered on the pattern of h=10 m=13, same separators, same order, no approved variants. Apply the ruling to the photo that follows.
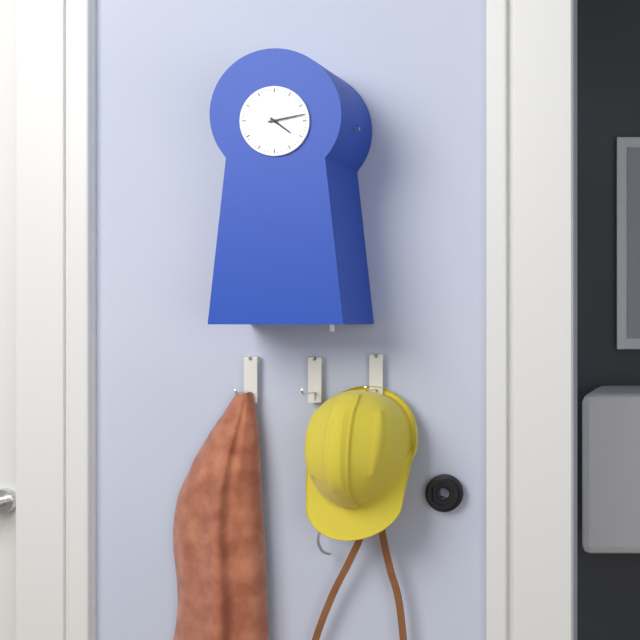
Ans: h=4 m=13
